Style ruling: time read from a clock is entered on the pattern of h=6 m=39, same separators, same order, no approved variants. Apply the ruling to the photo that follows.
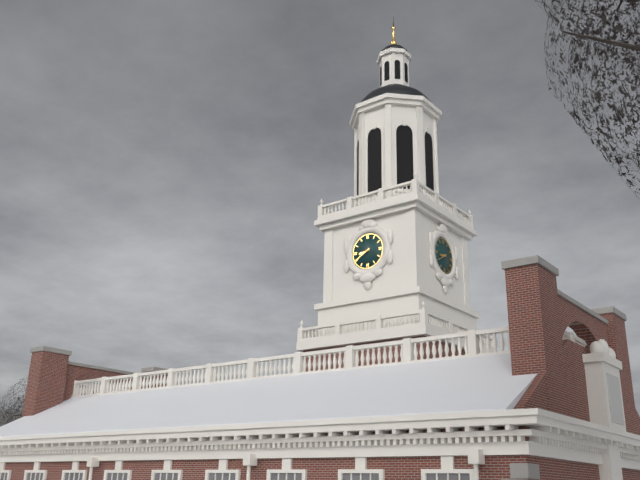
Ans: h=8 m=40
